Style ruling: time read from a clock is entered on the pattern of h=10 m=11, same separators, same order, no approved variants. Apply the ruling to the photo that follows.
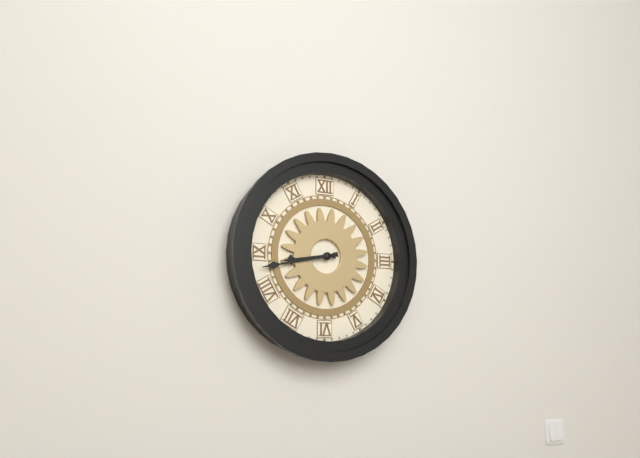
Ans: h=8 m=43
